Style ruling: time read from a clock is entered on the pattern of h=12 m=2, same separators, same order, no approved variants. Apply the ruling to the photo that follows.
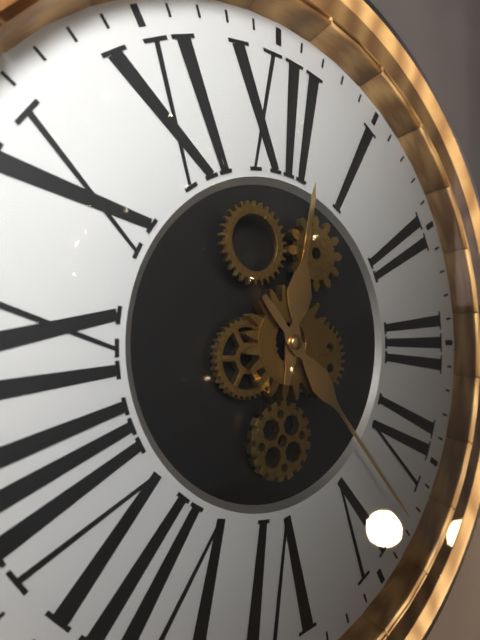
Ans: h=12 m=23
